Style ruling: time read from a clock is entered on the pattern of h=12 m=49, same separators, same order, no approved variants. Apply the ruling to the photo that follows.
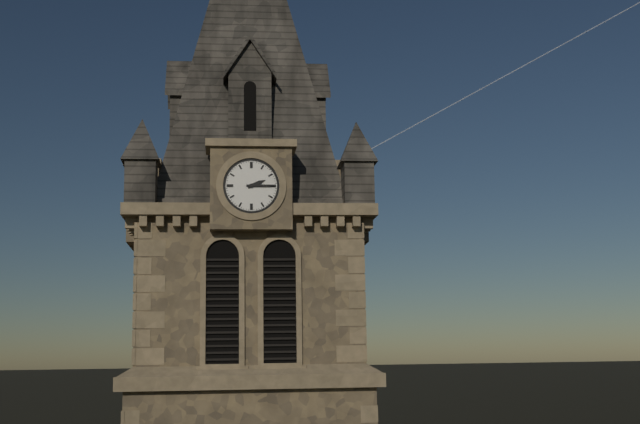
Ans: h=2 m=15
